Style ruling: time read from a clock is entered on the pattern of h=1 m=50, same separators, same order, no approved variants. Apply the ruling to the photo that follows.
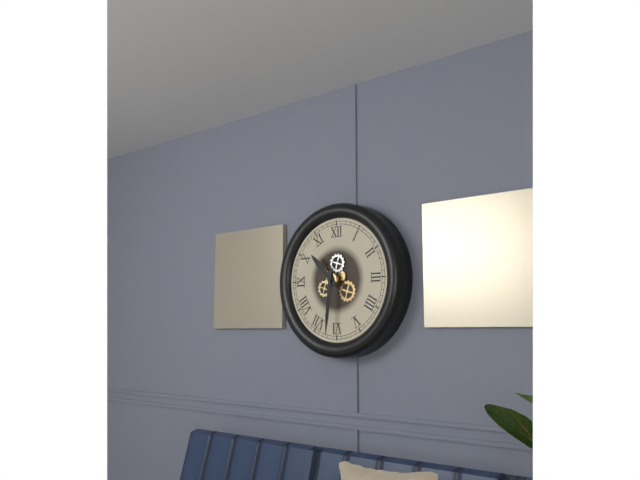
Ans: h=10 m=31
